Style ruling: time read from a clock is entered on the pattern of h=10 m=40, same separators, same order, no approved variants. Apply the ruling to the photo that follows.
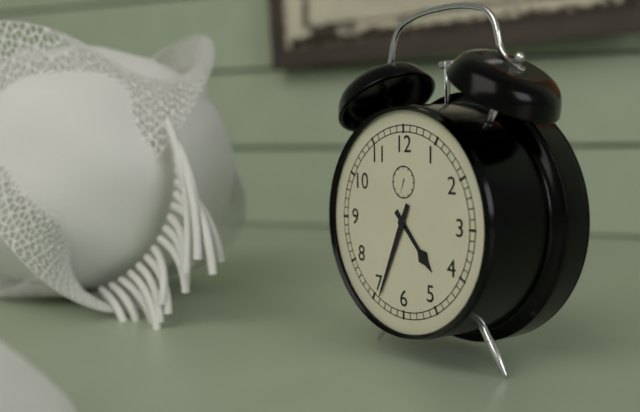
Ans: h=4 m=34
